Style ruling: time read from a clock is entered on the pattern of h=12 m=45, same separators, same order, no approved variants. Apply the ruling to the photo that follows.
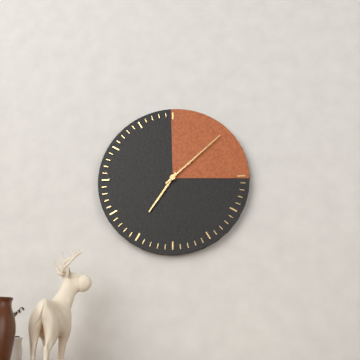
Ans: h=7 m=8
